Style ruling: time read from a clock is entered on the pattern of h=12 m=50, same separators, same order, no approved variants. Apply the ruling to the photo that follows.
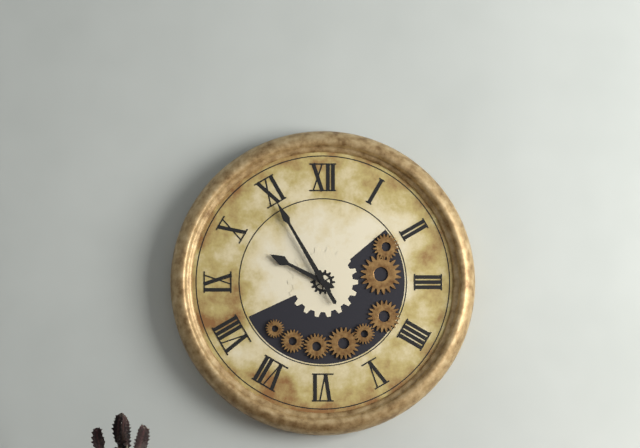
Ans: h=9 m=55
